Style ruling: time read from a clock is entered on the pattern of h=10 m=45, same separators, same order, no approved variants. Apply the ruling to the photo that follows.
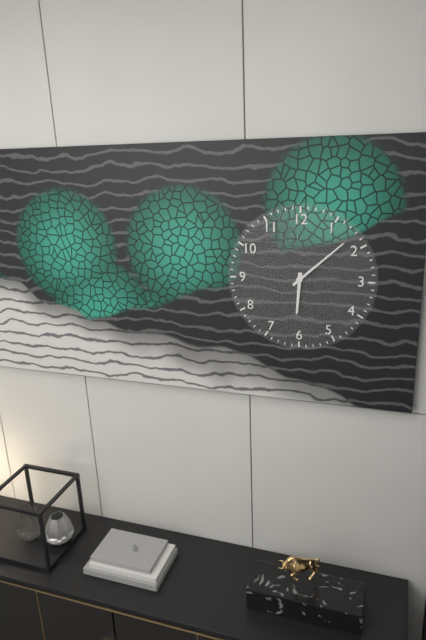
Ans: h=6 m=8
